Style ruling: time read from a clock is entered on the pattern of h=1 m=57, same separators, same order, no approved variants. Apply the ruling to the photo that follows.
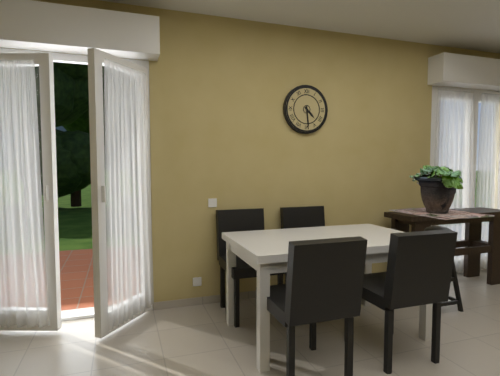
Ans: h=4 m=29
